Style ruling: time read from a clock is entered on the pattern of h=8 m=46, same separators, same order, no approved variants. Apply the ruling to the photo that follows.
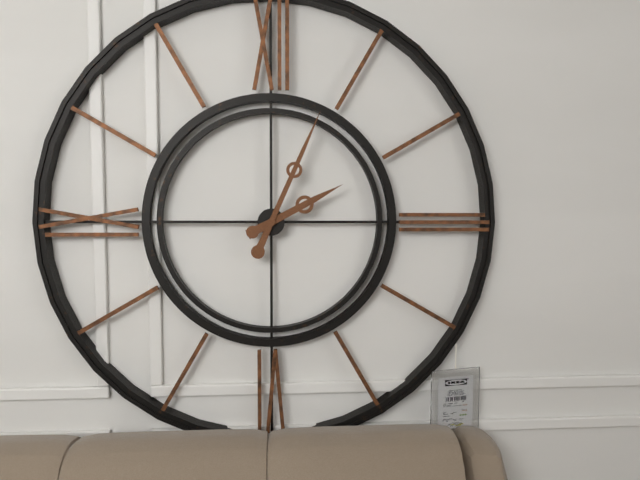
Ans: h=2 m=4
